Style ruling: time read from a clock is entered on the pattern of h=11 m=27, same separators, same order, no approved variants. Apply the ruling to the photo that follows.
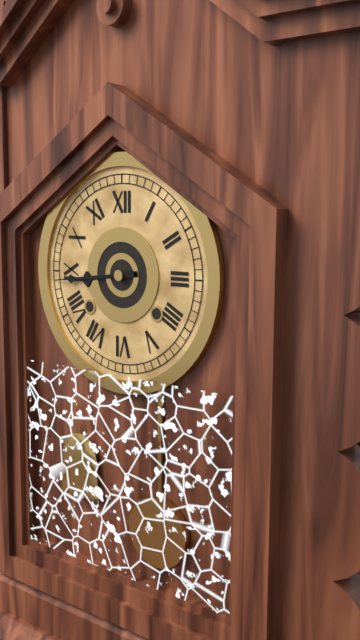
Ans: h=8 m=44
